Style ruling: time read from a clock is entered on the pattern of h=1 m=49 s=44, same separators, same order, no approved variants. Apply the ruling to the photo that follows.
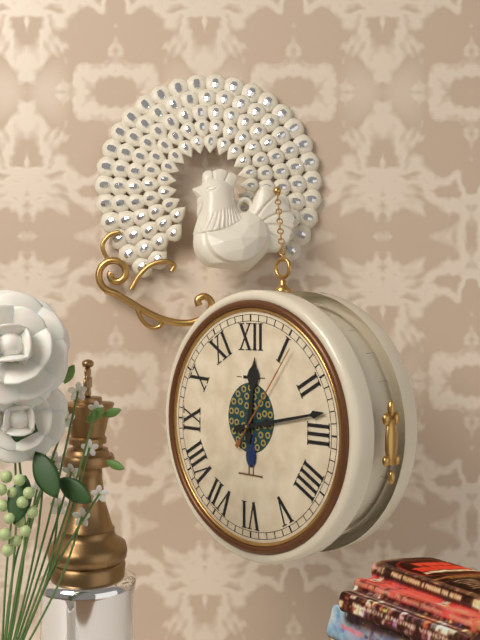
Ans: h=12 m=13 s=6
